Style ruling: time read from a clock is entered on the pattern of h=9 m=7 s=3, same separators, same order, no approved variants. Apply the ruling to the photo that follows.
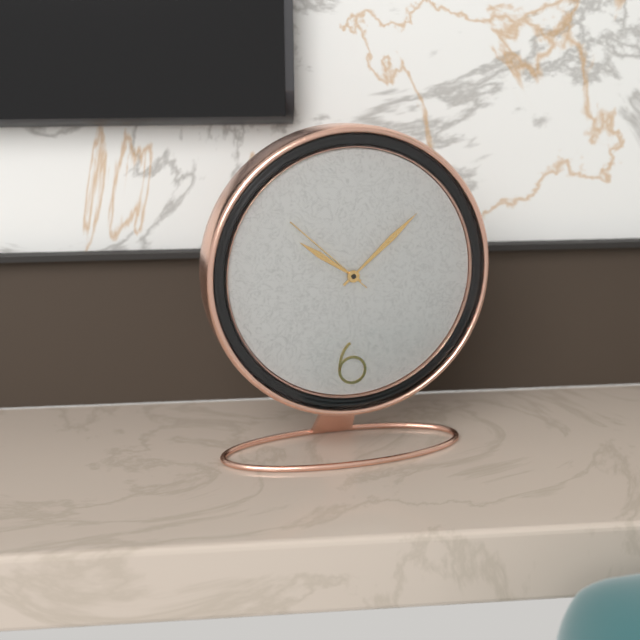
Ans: h=10 m=8 s=52
